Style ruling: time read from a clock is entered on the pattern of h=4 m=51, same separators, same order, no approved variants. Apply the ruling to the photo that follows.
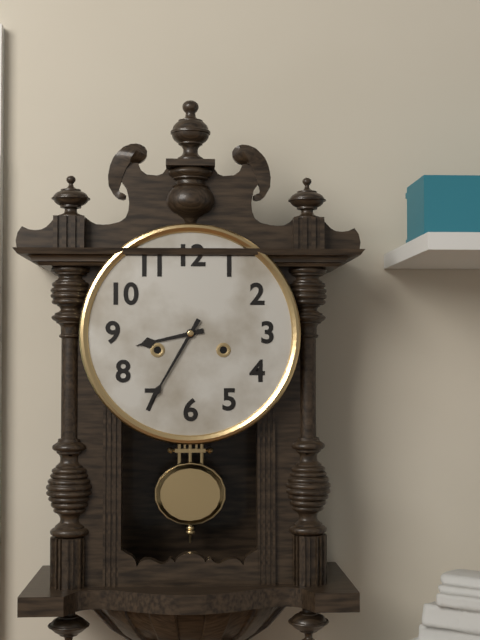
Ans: h=8 m=35
